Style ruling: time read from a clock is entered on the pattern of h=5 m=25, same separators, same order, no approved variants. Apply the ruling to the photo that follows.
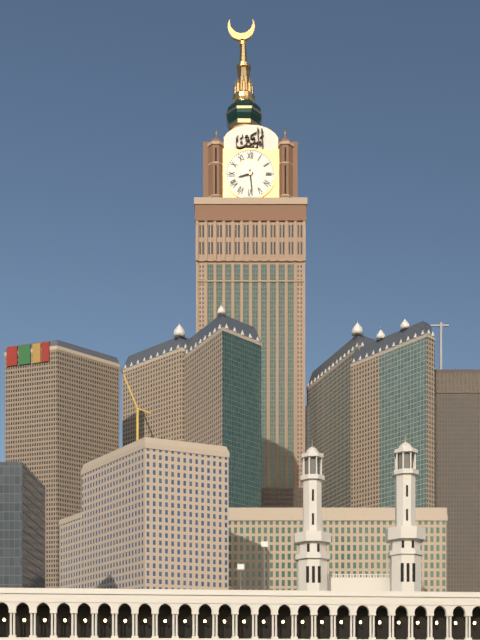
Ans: h=8 m=29
